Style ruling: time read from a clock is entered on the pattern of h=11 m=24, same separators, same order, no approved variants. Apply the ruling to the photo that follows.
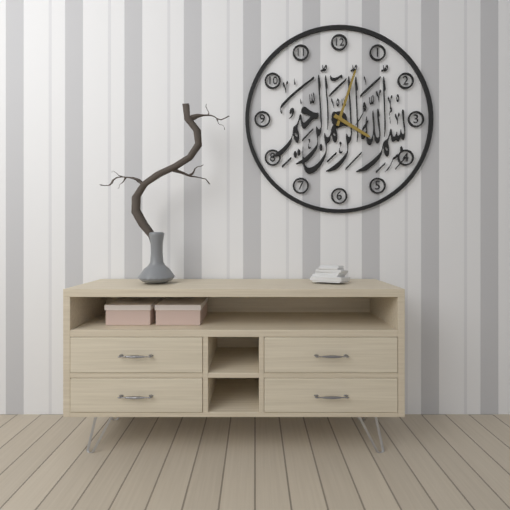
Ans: h=4 m=3
